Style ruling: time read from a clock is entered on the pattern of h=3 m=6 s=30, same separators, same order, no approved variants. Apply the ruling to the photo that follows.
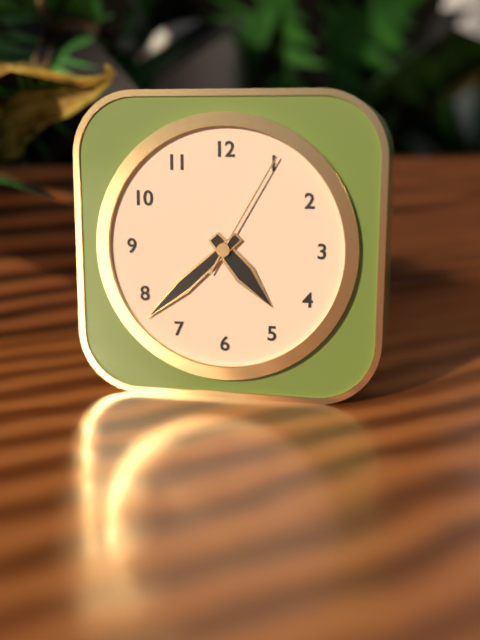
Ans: h=4 m=38 s=5
